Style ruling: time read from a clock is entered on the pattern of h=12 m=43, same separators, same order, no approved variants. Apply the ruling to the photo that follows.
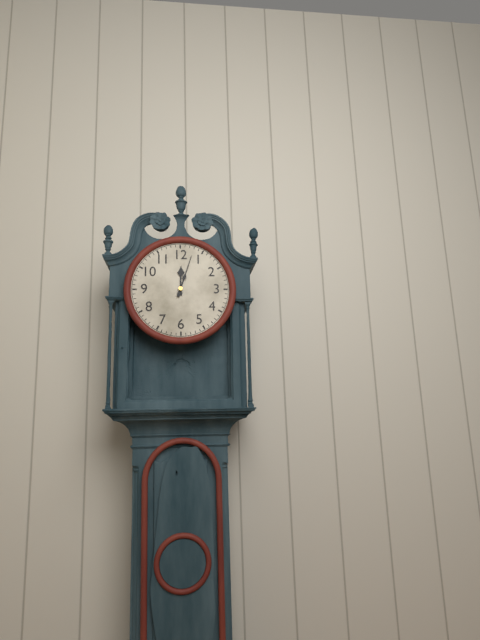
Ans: h=12 m=3
